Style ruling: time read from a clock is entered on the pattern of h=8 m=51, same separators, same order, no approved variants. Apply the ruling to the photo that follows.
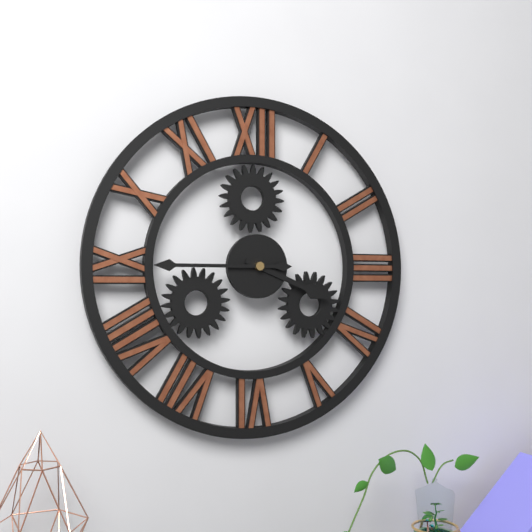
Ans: h=3 m=45
